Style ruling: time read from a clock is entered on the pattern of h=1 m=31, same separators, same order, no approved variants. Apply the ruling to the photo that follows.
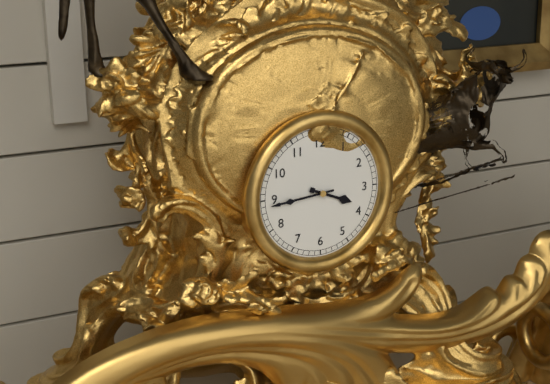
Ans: h=3 m=44
